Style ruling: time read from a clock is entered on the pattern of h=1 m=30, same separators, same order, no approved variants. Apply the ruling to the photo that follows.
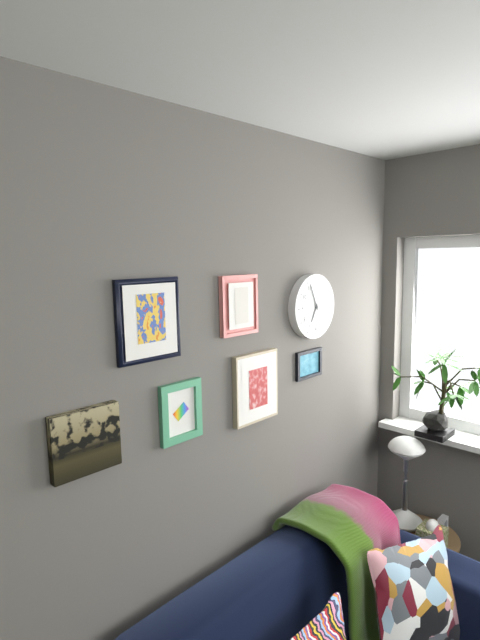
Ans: h=6 m=56
